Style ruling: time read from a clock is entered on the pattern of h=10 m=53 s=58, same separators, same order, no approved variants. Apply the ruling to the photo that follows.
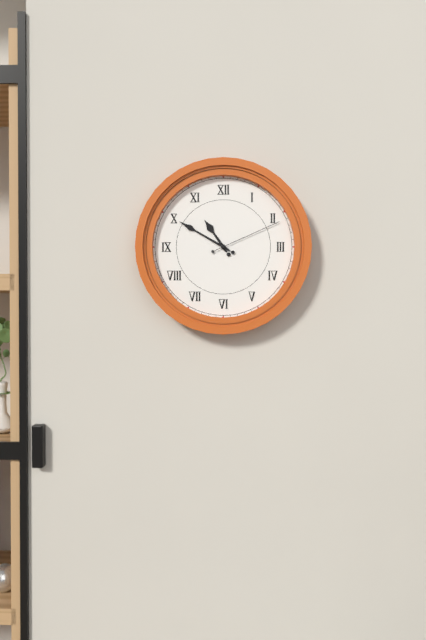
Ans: h=10 m=50 s=11
